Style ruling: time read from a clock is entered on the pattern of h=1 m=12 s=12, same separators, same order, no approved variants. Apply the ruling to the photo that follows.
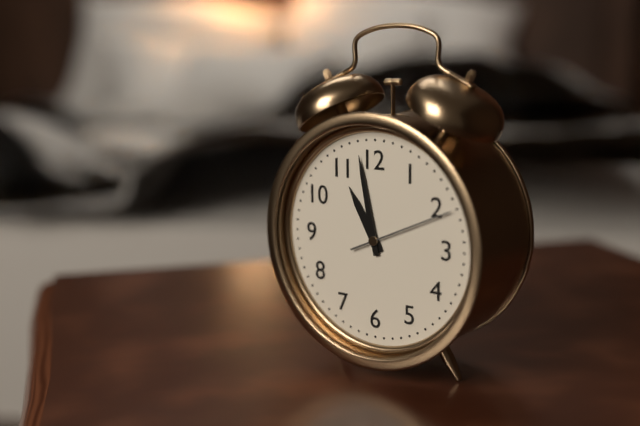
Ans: h=10 m=58 s=11
